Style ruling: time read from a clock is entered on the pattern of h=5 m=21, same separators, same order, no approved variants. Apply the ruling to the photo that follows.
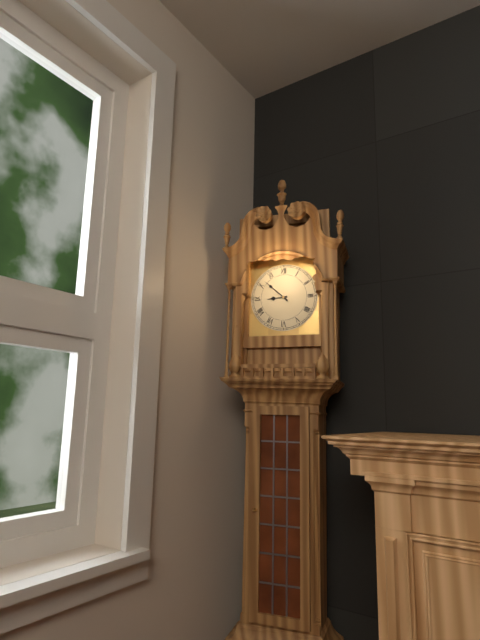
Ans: h=8 m=52
